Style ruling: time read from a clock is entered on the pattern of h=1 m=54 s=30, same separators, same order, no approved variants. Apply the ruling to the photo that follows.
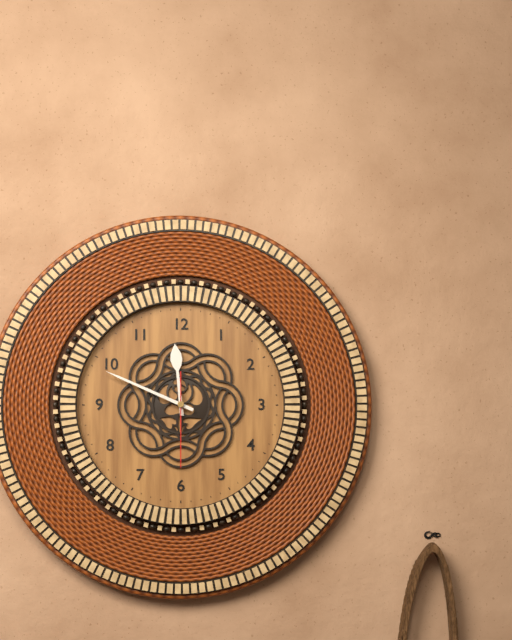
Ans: h=11 m=49 s=30
